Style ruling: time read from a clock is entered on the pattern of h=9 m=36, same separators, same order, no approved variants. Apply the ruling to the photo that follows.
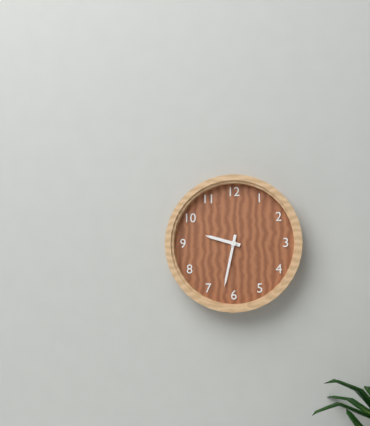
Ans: h=9 m=32
